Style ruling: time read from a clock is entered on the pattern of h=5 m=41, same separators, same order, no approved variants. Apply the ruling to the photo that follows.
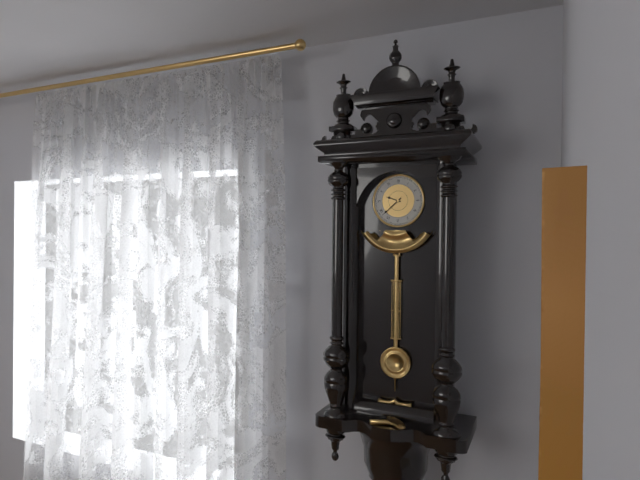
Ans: h=9 m=38
